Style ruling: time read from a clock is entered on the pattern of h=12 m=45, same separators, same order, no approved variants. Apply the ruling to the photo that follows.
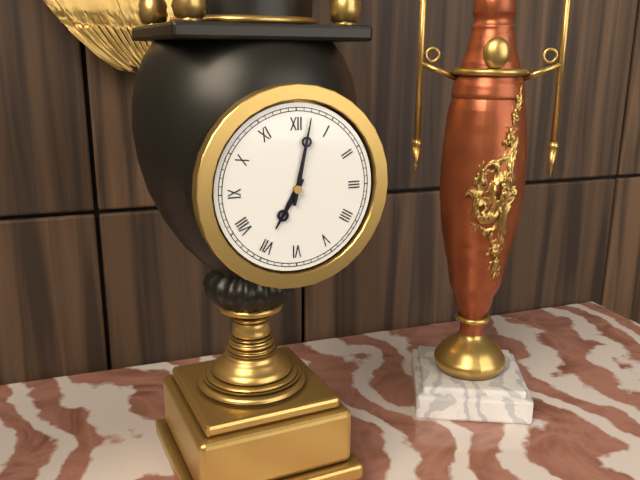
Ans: h=7 m=2
